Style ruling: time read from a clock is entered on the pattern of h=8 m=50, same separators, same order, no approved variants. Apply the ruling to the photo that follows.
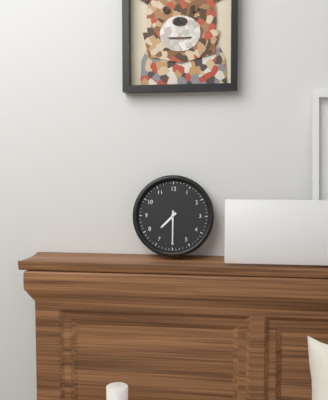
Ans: h=7 m=30
